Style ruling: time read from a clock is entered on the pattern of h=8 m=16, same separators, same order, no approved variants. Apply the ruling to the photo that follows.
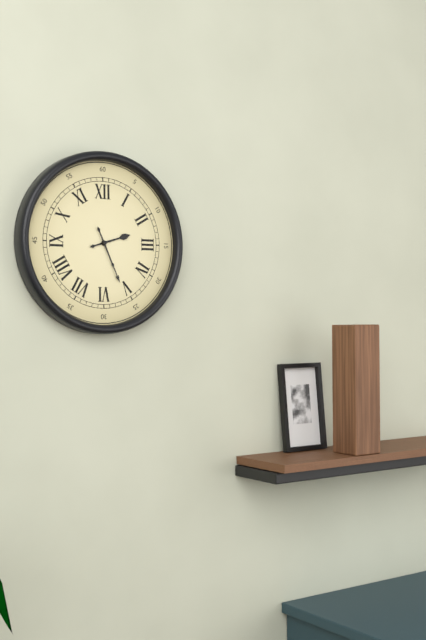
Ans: h=2 m=26
